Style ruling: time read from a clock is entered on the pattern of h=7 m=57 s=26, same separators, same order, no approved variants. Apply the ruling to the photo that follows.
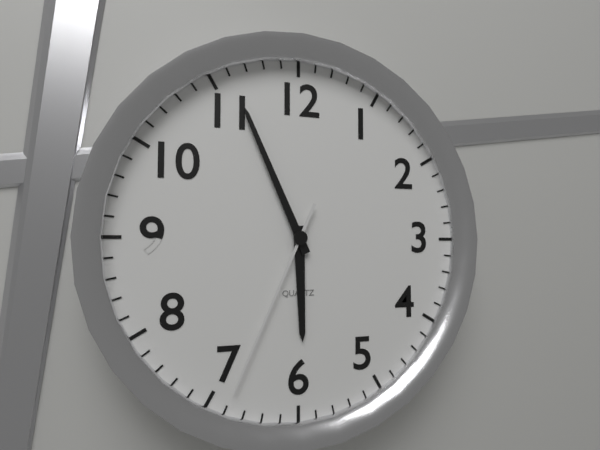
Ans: h=5 m=56 s=34
